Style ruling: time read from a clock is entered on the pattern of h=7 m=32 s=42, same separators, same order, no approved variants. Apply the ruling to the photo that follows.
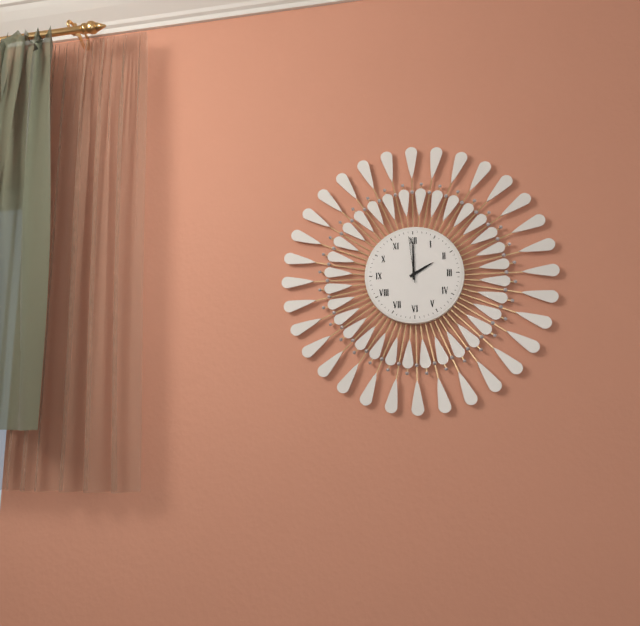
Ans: h=2 m=0 s=59
